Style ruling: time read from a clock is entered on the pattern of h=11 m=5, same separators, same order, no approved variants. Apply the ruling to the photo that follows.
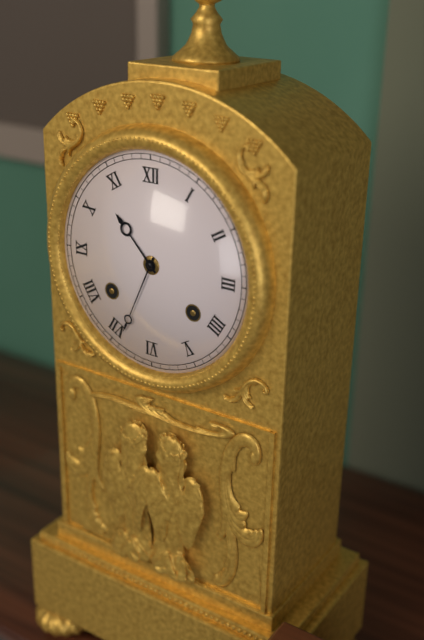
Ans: h=10 m=34
